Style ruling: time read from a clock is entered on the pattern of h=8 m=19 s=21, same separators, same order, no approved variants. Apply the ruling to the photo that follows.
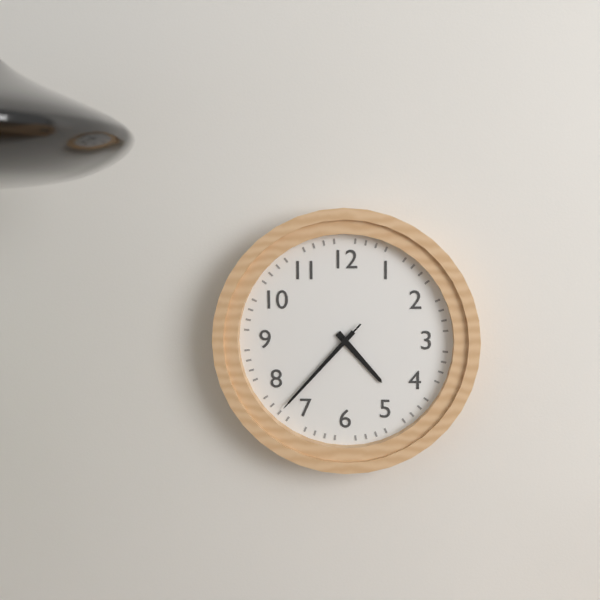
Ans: h=4 m=37 s=37
